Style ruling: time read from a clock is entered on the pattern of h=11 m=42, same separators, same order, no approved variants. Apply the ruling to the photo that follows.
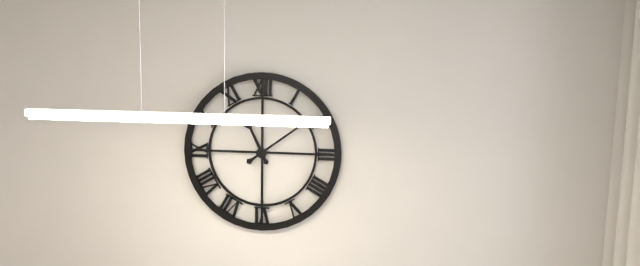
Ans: h=11 m=9
